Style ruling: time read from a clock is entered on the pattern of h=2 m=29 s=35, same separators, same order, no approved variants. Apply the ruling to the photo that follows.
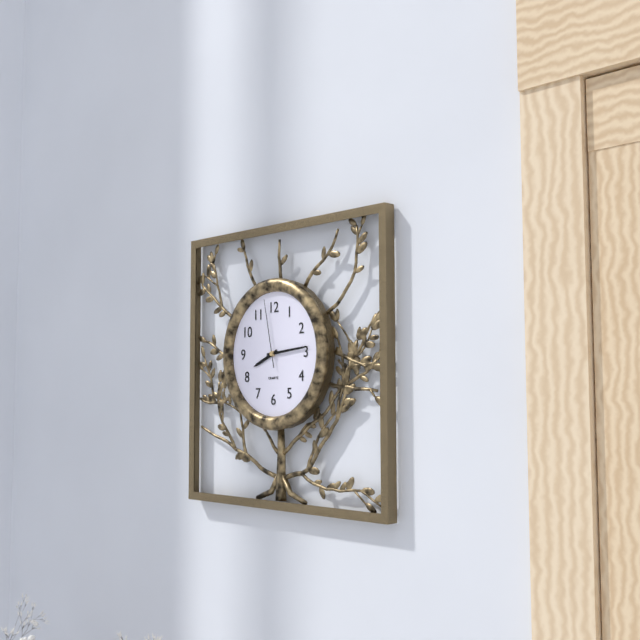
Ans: h=8 m=14 s=58
